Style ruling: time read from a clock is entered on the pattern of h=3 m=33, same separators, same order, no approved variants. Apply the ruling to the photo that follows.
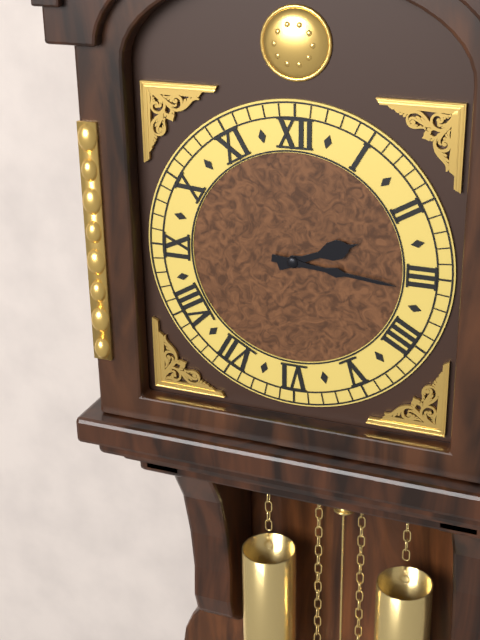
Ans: h=2 m=16
